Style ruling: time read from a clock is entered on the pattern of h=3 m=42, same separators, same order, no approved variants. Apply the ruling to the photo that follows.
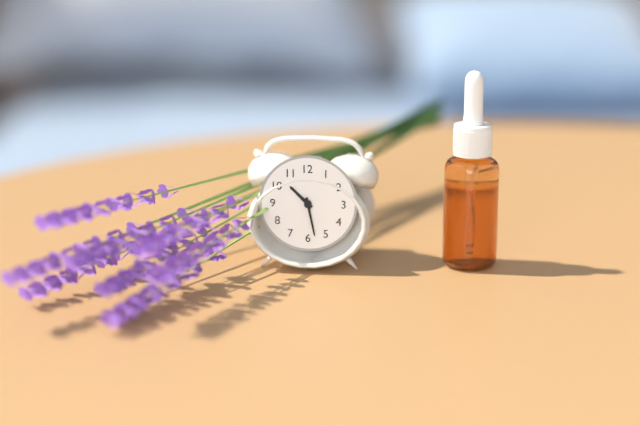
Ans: h=10 m=28
